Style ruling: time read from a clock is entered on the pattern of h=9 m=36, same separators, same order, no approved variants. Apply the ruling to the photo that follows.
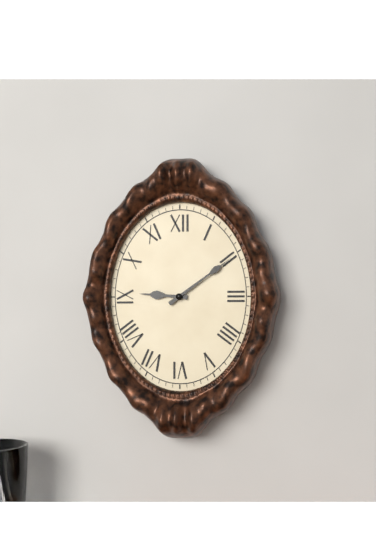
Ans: h=9 m=9
